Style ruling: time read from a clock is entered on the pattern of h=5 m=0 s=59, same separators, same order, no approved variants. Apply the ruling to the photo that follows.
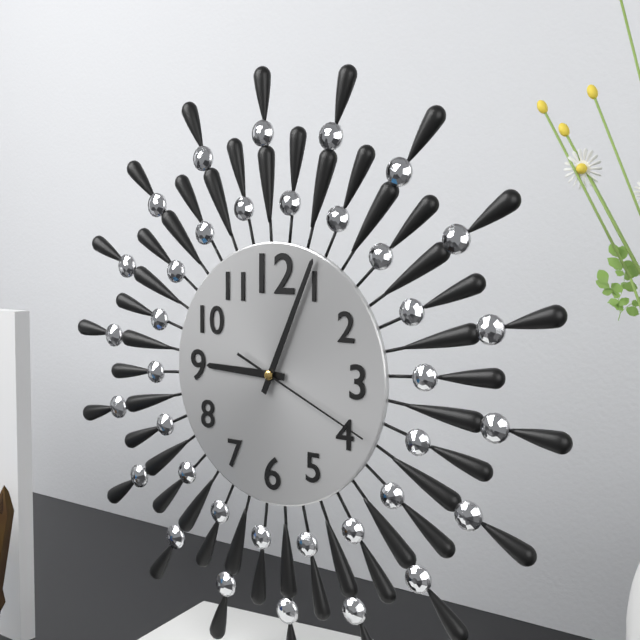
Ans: h=9 m=4 s=19
